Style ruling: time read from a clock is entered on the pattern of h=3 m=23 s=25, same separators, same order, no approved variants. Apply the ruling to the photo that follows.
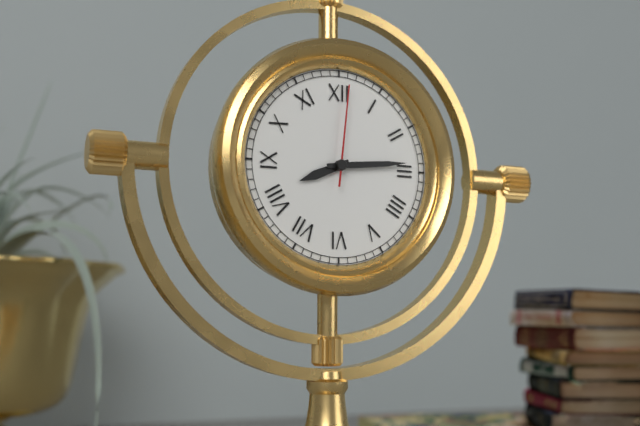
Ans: h=8 m=14 s=1
